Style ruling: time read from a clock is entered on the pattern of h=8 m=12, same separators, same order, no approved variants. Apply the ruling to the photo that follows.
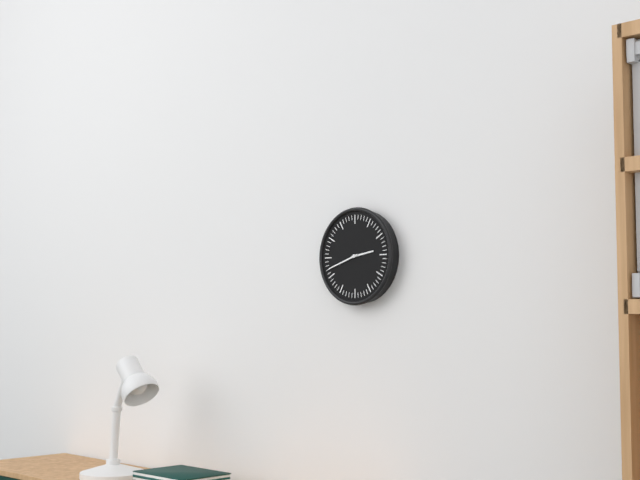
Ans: h=2 m=42
